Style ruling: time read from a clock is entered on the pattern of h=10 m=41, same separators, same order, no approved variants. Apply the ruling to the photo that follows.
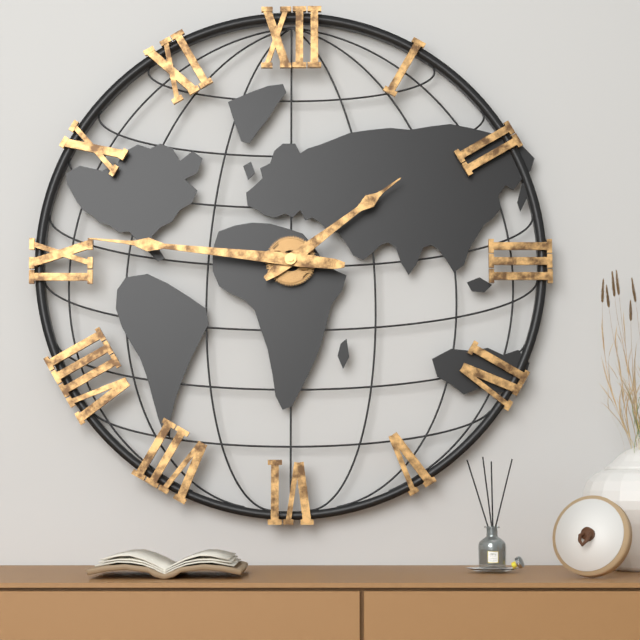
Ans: h=1 m=46
